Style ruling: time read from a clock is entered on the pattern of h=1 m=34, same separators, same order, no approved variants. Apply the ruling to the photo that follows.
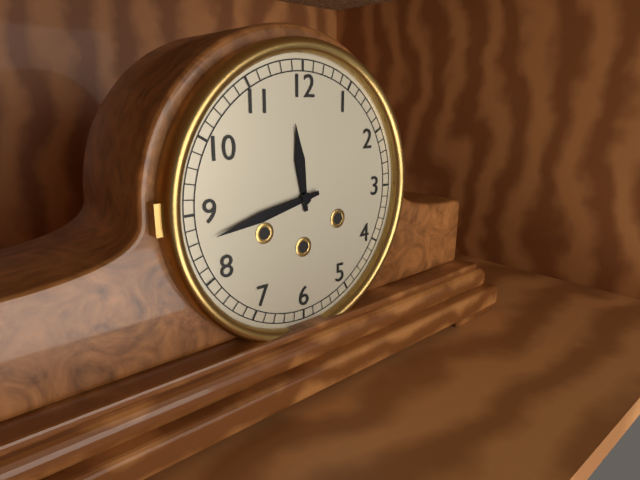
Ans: h=11 m=43
